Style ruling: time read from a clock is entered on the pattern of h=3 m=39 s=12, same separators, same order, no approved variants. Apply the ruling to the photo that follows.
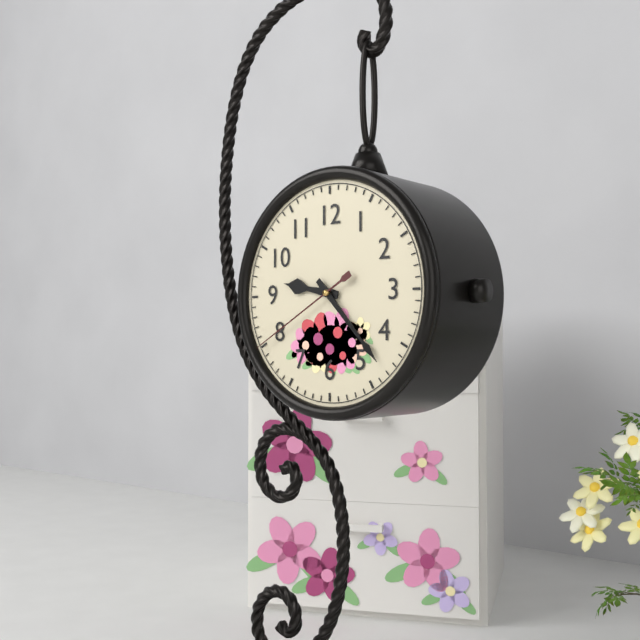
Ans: h=9 m=23 s=40
